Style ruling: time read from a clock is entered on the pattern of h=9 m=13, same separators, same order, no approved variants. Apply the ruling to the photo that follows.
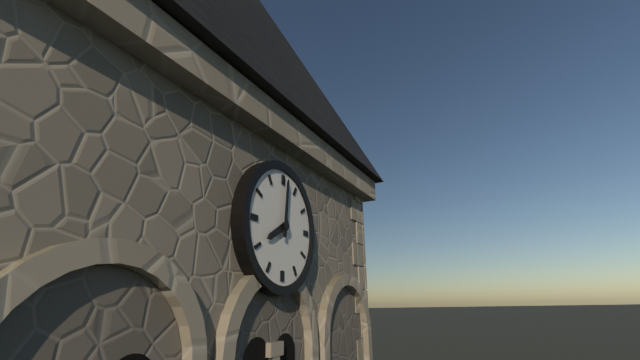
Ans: h=8 m=1
